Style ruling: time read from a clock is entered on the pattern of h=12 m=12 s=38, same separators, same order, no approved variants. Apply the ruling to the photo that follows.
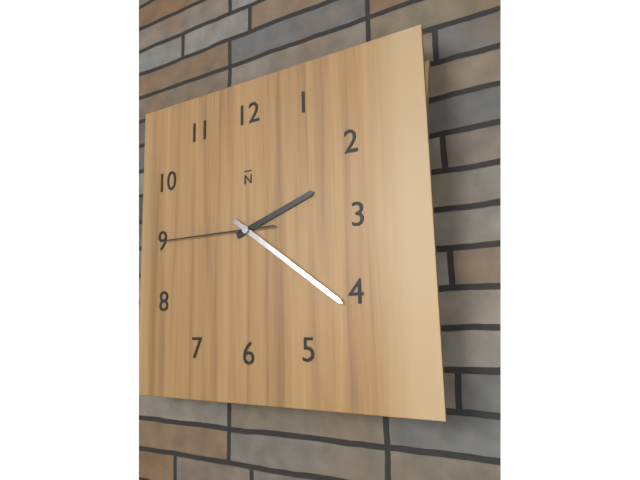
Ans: h=2 m=21 s=45
